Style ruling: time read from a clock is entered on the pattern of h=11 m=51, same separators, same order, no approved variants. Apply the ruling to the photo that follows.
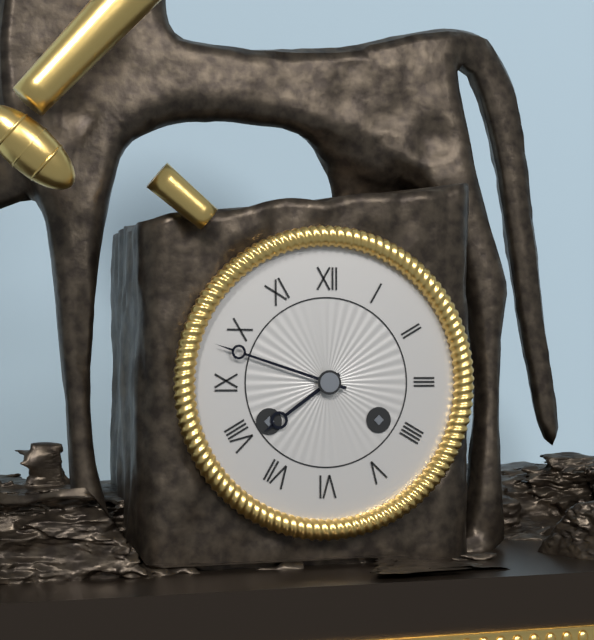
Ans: h=7 m=48
